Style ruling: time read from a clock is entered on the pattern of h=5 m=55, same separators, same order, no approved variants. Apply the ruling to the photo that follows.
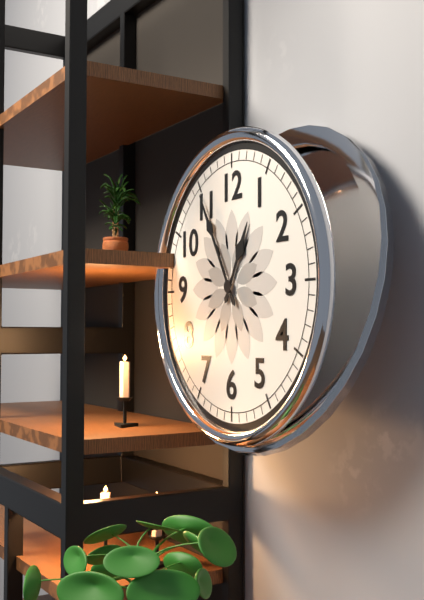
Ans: h=12 m=55
